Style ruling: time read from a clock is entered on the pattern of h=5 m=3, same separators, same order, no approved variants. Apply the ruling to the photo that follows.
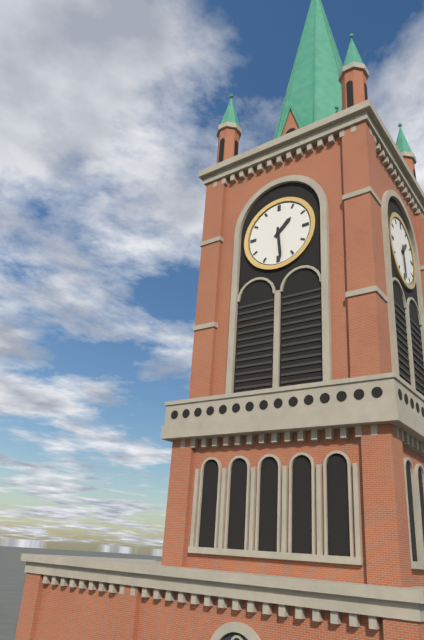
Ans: h=1 m=29
